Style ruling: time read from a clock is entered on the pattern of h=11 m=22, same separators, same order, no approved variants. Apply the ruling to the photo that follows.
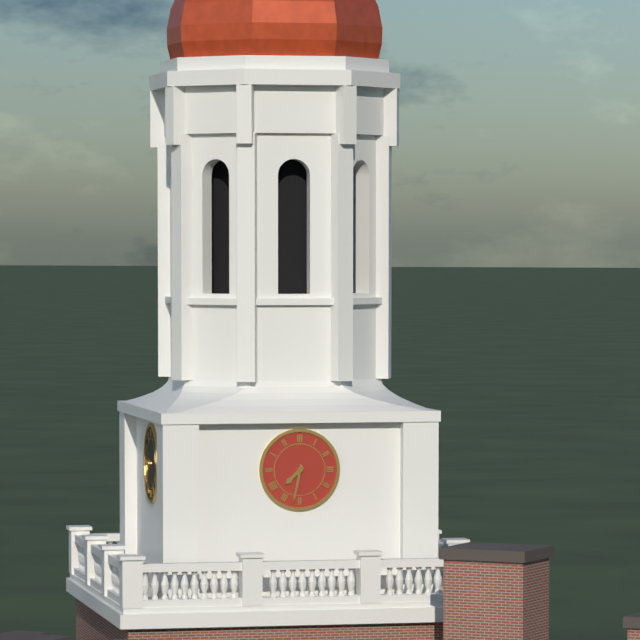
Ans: h=7 m=32
